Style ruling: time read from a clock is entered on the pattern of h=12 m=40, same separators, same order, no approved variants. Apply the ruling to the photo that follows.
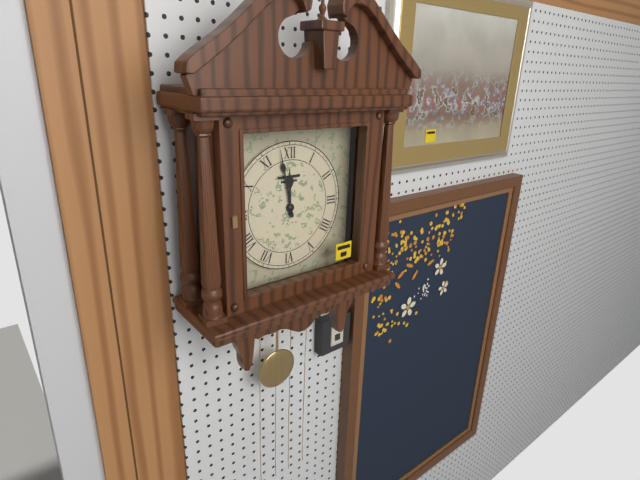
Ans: h=11 m=58
